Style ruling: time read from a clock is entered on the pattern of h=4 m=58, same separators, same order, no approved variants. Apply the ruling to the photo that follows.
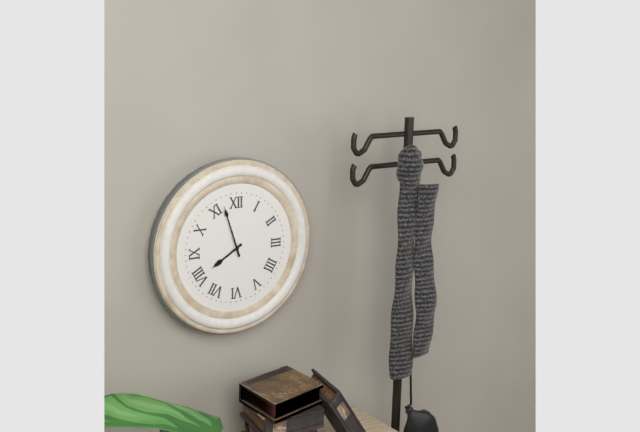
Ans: h=7 m=57
